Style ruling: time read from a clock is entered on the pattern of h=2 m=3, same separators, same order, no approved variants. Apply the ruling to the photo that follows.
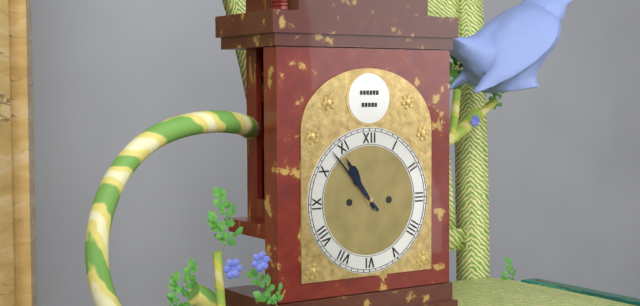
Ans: h=10 m=53
